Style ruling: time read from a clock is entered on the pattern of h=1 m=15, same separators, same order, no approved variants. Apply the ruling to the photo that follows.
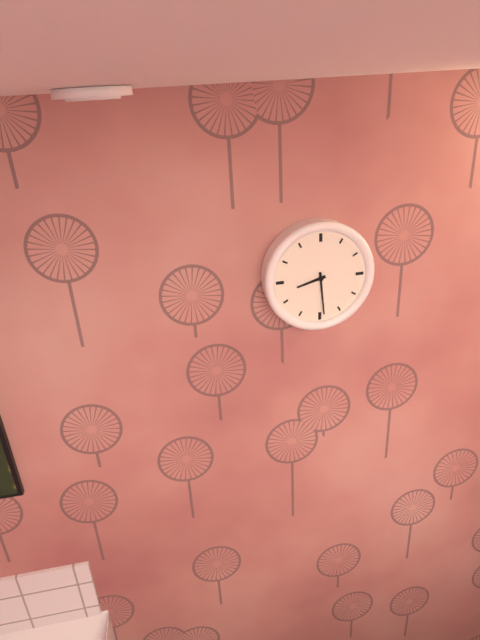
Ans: h=8 m=29
